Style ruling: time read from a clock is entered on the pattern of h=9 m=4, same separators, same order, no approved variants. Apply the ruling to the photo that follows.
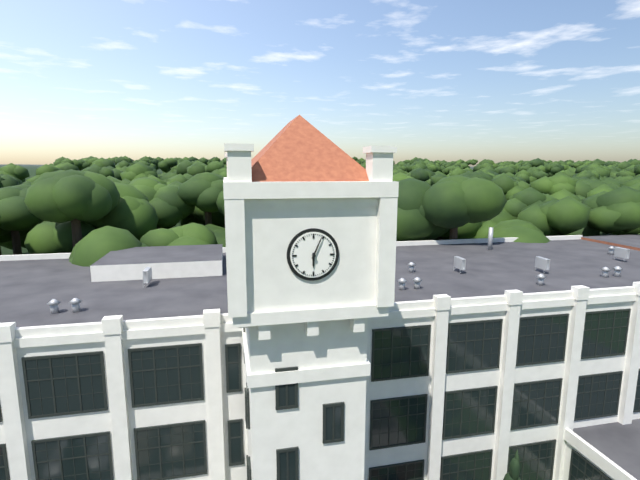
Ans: h=6 m=4
